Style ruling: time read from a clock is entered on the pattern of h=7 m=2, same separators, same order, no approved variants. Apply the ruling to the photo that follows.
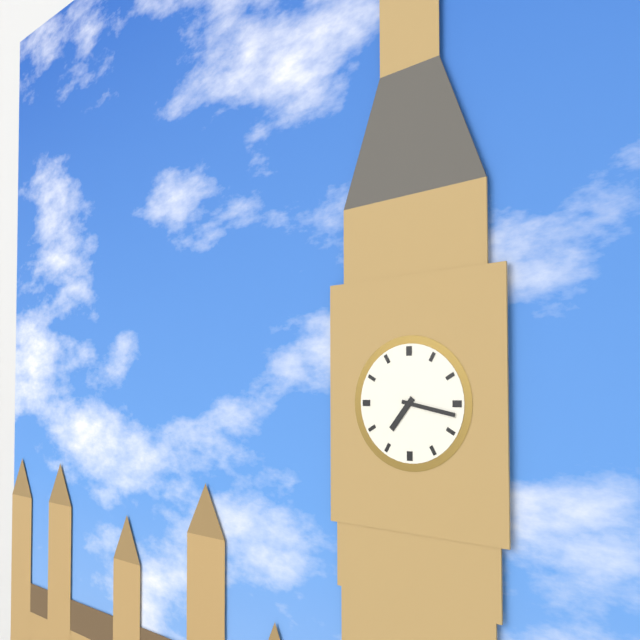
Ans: h=7 m=17
